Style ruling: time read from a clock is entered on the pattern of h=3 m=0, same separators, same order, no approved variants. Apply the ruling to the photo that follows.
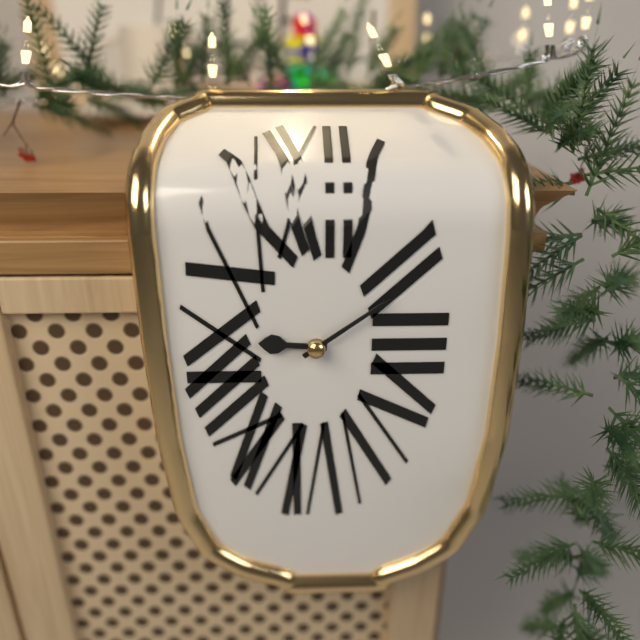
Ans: h=9 m=9
